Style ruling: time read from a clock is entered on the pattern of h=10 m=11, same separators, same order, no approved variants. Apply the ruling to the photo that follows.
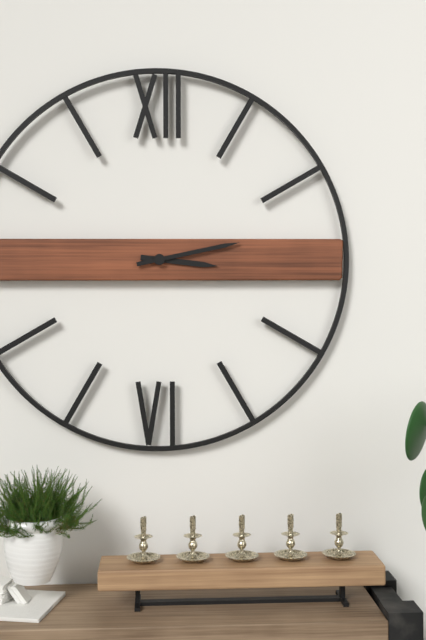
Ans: h=3 m=13
